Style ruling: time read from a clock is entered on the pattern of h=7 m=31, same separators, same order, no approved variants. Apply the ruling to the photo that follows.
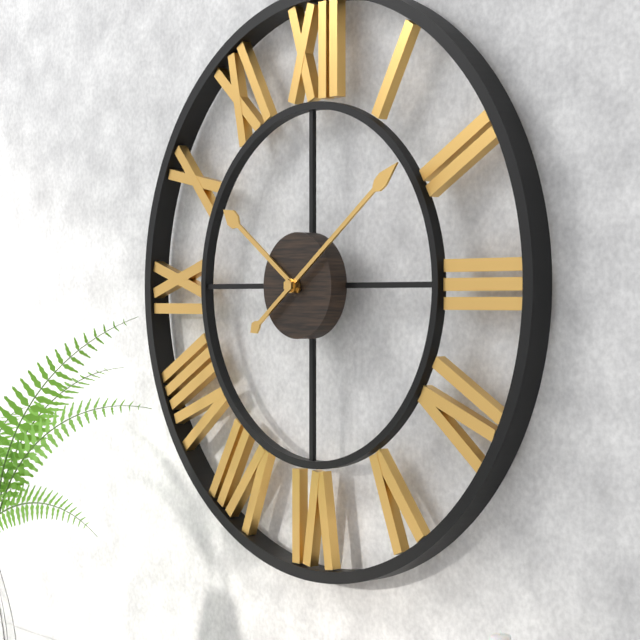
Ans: h=10 m=9
